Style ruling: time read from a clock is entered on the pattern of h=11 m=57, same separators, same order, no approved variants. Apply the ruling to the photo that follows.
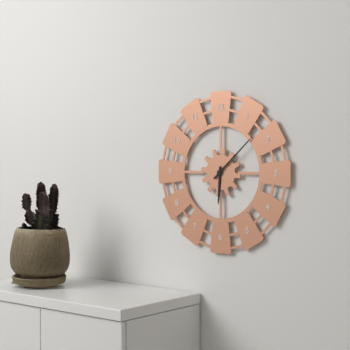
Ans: h=6 m=8
